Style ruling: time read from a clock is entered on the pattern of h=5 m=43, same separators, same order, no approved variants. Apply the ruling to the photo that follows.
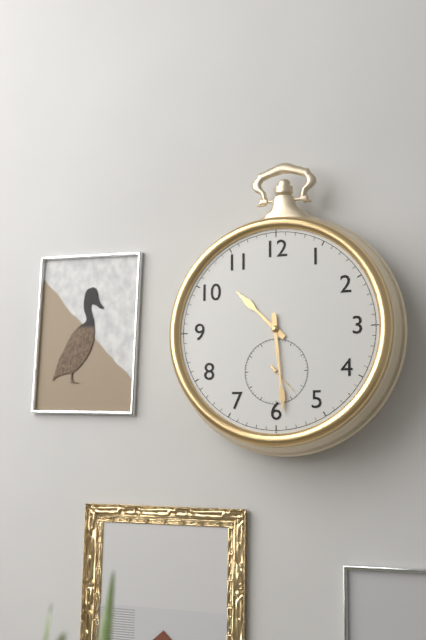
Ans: h=10 m=29
